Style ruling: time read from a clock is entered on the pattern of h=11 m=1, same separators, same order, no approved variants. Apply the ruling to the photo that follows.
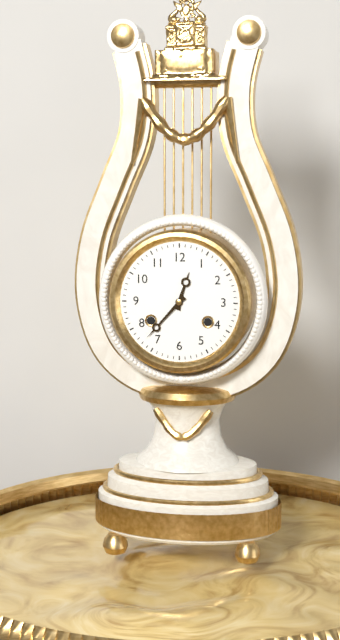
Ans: h=12 m=37
